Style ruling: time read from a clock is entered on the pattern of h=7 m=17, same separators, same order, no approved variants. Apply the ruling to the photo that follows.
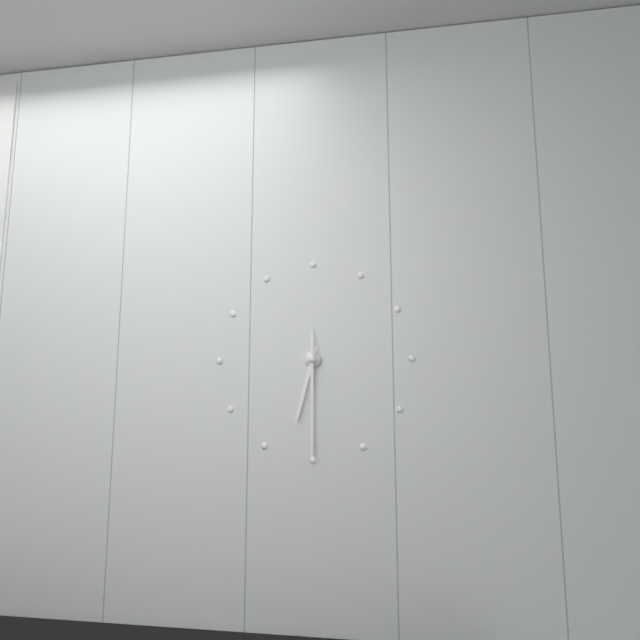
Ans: h=6 m=30
